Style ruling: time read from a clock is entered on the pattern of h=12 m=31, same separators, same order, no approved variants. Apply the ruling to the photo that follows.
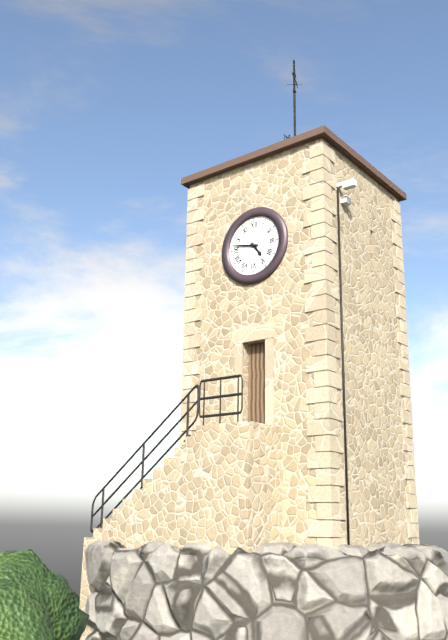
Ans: h=4 m=47
